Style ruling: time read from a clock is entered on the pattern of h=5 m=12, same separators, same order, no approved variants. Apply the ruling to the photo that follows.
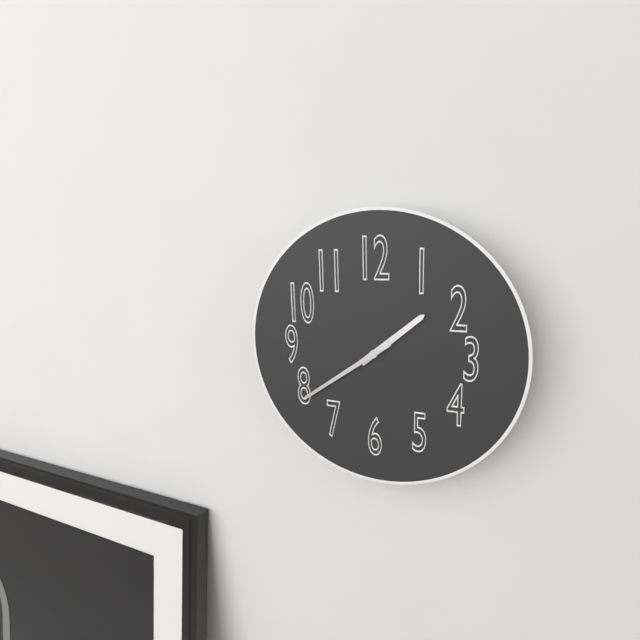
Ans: h=1 m=39
